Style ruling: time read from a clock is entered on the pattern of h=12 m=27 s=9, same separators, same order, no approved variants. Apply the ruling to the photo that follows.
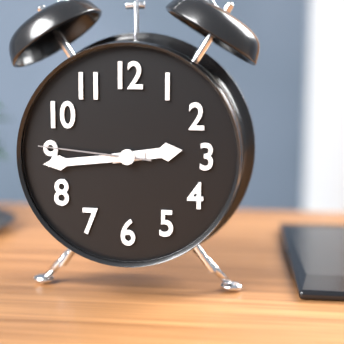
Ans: h=2 m=44 s=46
